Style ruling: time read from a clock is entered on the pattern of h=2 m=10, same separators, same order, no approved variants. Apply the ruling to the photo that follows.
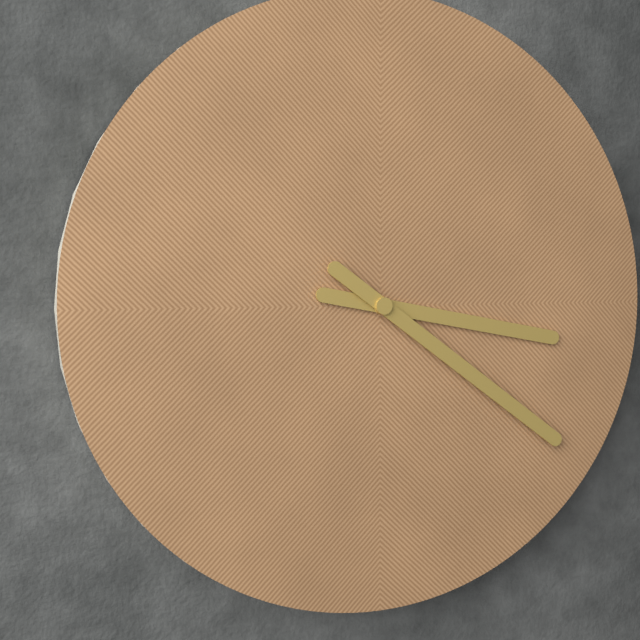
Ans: h=3 m=21
